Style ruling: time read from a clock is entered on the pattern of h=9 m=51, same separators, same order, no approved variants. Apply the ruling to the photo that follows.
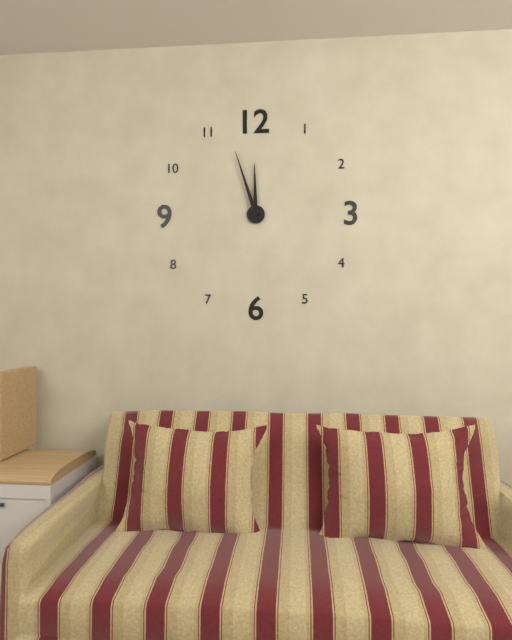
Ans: h=11 m=57
